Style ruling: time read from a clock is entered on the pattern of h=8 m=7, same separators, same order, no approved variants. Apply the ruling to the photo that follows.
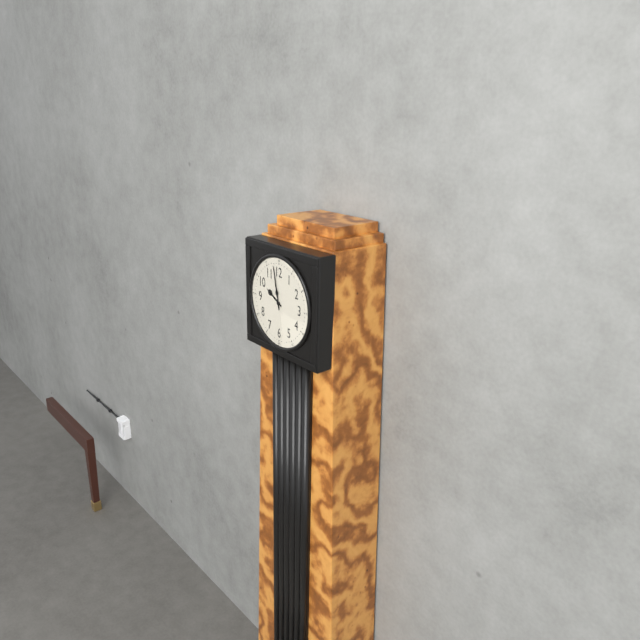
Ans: h=9 m=58
